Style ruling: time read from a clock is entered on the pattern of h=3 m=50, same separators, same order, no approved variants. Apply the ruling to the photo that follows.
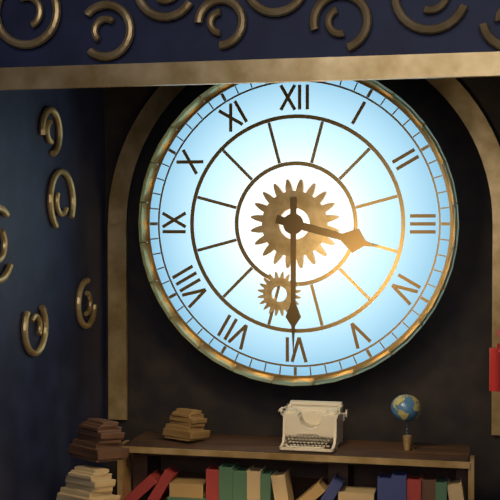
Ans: h=3 m=30
